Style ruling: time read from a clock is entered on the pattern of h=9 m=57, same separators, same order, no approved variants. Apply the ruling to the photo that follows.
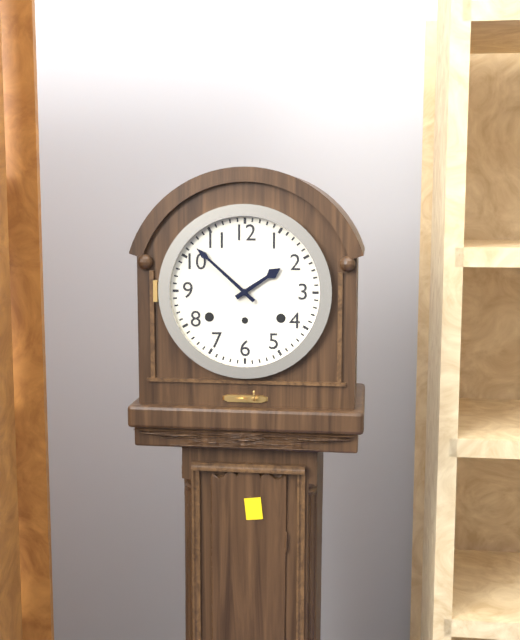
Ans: h=1 m=52
